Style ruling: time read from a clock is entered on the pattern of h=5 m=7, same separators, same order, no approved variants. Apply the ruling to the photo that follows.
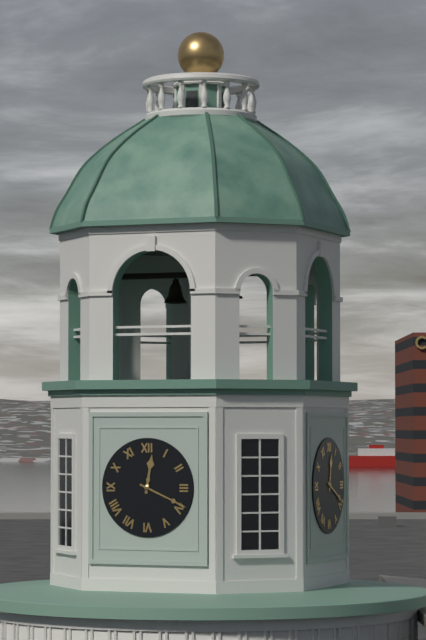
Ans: h=12 m=19
